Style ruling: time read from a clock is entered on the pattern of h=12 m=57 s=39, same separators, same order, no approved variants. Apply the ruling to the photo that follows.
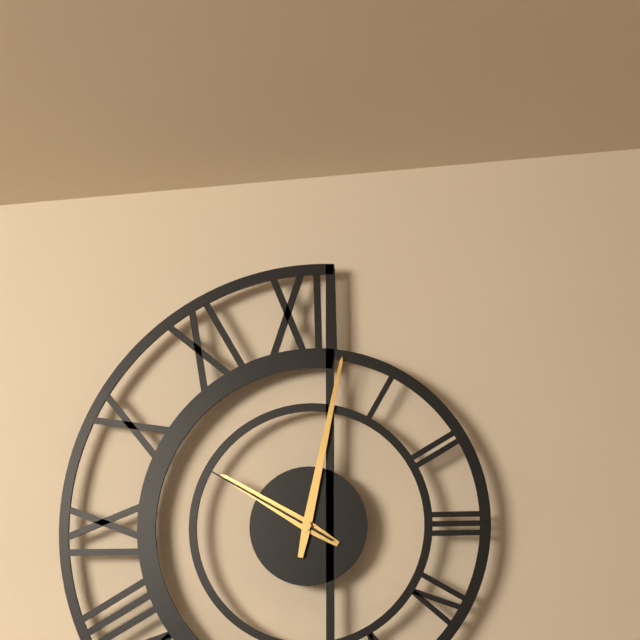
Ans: h=10 m=2 s=50
